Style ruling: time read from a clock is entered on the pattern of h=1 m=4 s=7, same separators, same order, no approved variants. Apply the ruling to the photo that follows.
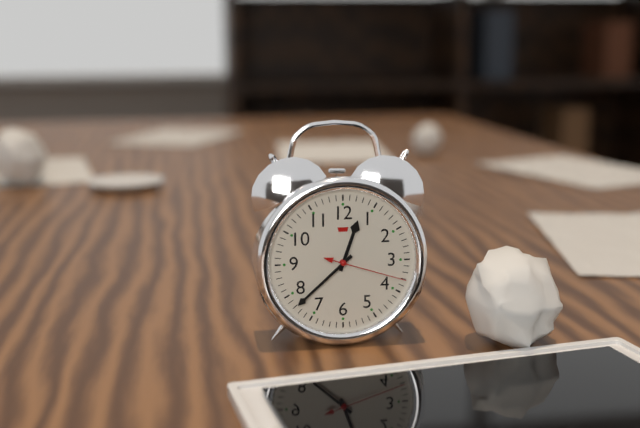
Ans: h=12 m=38 s=18
